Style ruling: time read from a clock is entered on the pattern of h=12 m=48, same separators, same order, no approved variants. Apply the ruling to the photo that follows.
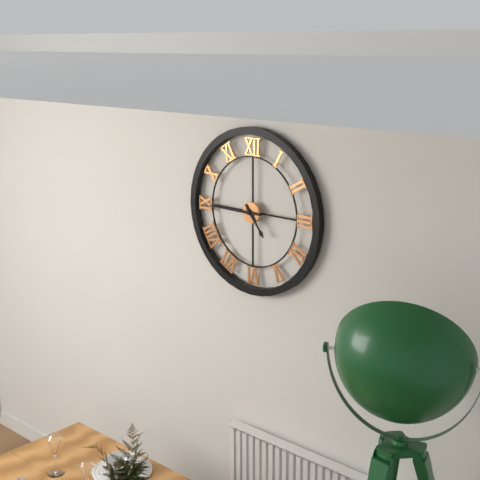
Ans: h=4 m=45
